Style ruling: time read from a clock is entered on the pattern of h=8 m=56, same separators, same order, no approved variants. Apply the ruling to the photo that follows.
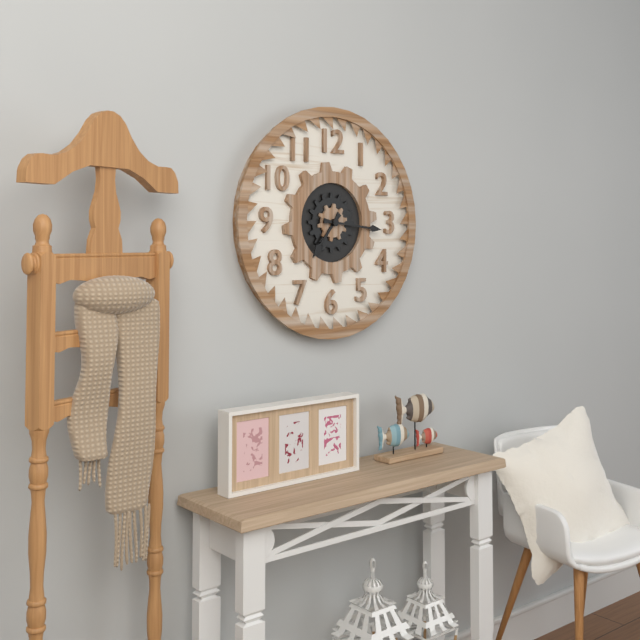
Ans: h=7 m=16
